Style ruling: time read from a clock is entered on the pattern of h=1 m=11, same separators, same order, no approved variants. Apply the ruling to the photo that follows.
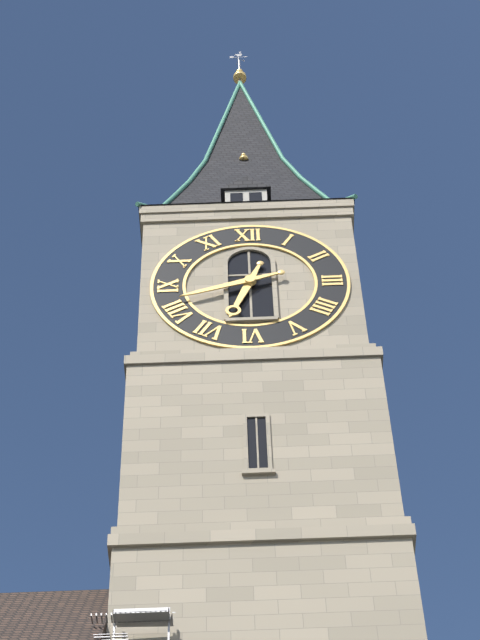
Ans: h=6 m=42
